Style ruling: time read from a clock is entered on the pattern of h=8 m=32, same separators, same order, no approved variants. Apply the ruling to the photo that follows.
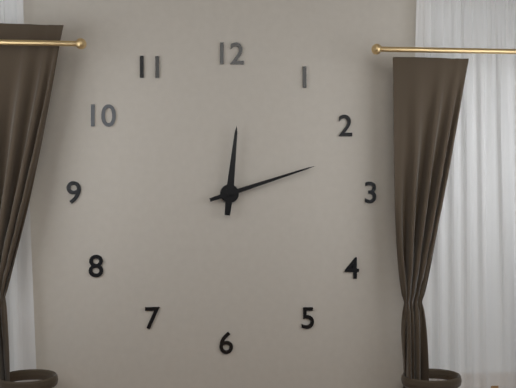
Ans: h=12 m=12
